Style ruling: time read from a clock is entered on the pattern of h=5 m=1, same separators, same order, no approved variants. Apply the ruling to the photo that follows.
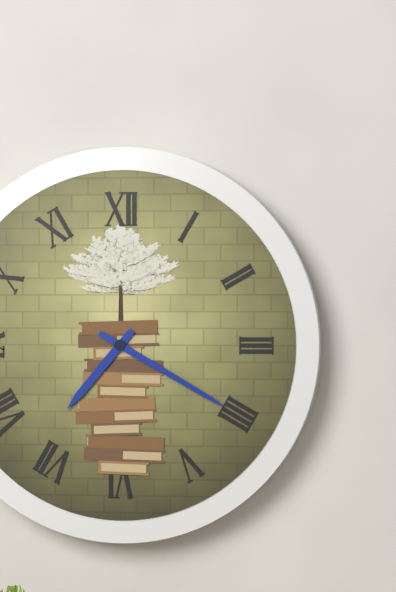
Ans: h=7 m=20
